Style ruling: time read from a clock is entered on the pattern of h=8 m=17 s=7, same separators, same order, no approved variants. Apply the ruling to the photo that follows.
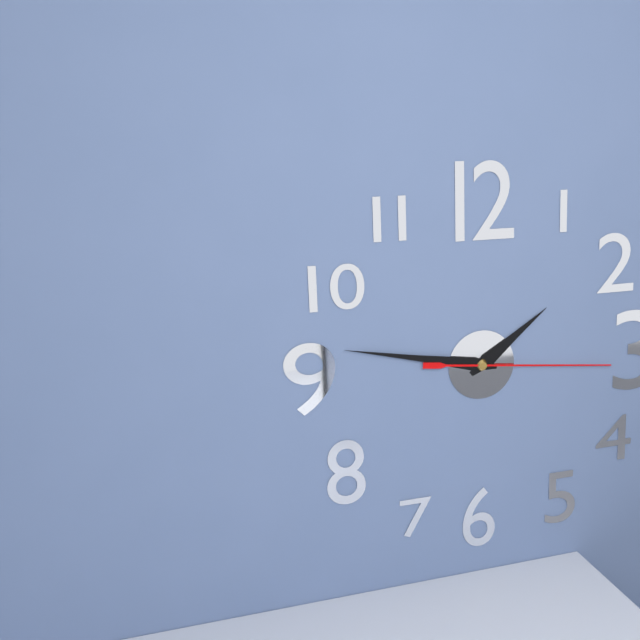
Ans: h=1 m=47 s=16
